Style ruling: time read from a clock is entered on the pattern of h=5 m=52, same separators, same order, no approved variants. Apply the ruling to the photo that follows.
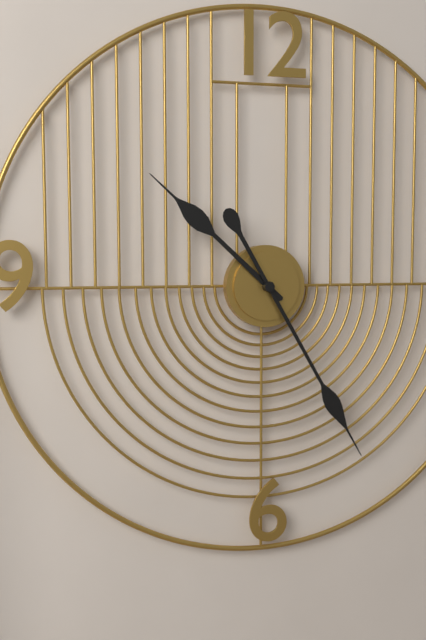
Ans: h=10 m=25
